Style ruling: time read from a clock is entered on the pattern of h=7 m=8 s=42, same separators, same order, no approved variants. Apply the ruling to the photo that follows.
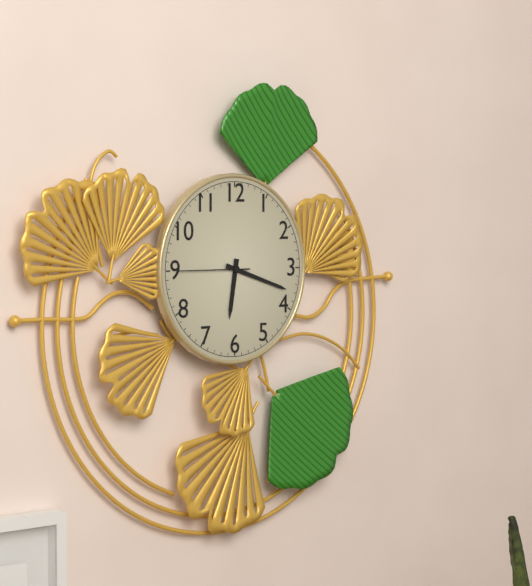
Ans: h=6 m=18 s=45
